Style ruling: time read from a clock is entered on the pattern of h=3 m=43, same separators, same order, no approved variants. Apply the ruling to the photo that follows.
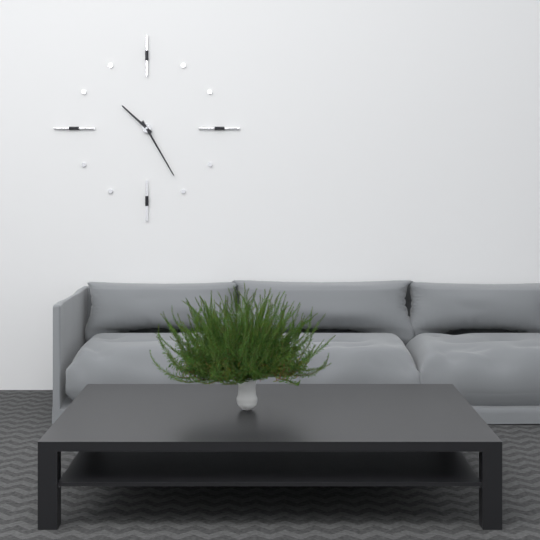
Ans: h=10 m=25
